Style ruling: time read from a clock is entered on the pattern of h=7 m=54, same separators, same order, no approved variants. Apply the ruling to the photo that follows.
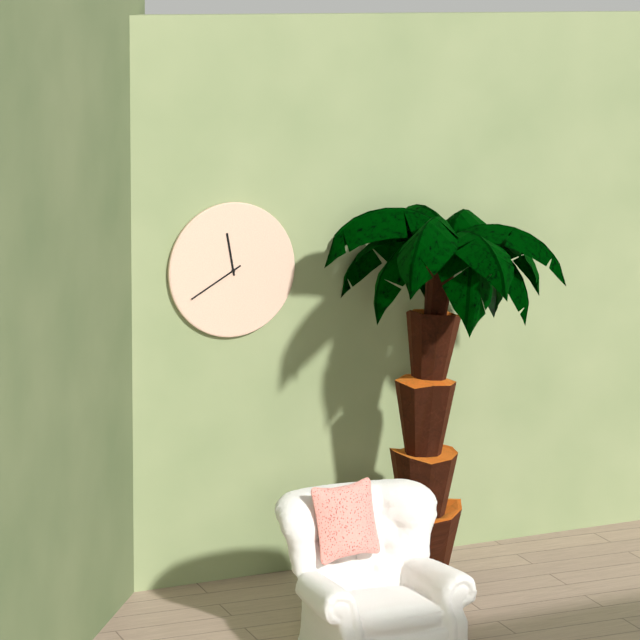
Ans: h=11 m=40
